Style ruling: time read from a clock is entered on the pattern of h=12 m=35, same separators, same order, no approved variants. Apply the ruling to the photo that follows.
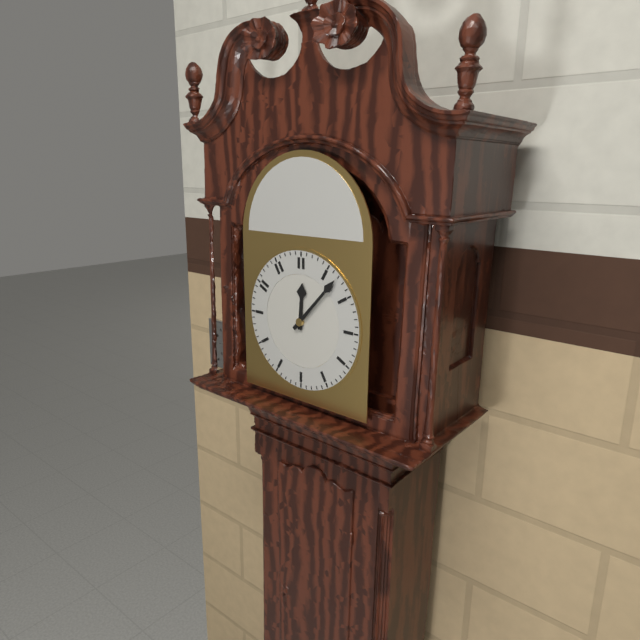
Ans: h=12 m=7
